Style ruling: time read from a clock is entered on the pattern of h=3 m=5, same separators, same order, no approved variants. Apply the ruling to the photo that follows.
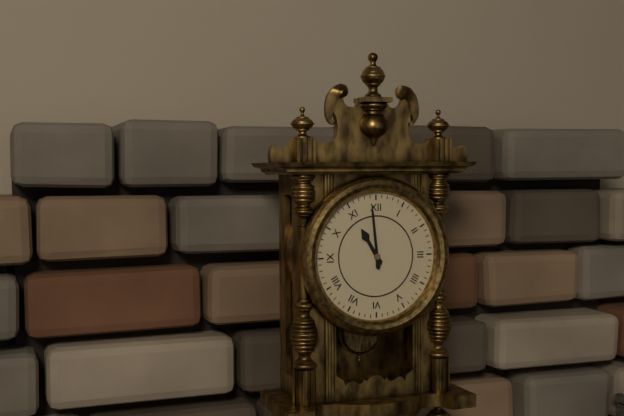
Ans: h=10 m=59
